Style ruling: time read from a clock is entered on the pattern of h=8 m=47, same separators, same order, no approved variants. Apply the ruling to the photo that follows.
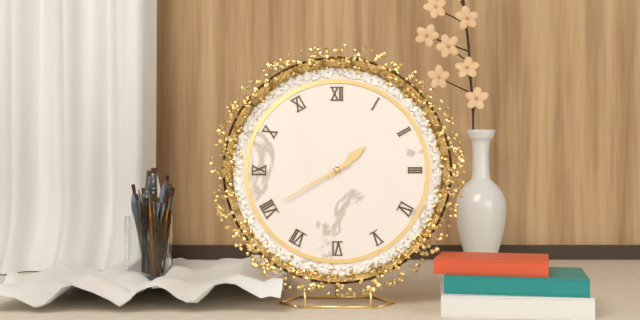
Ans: h=1 m=40
